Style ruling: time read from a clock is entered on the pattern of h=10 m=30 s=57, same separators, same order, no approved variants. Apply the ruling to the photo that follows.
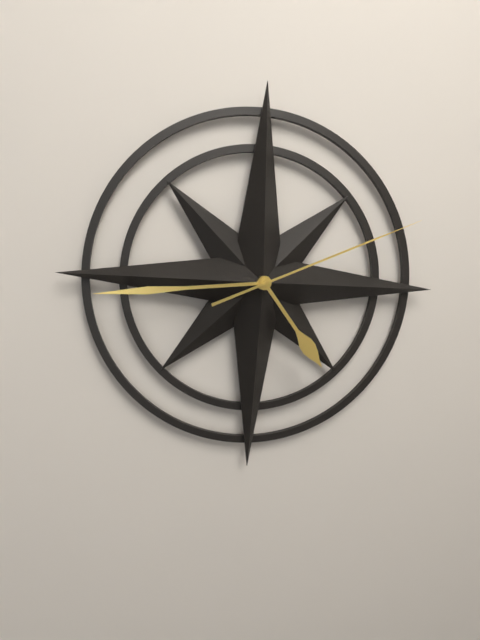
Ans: h=4 m=44 s=11
